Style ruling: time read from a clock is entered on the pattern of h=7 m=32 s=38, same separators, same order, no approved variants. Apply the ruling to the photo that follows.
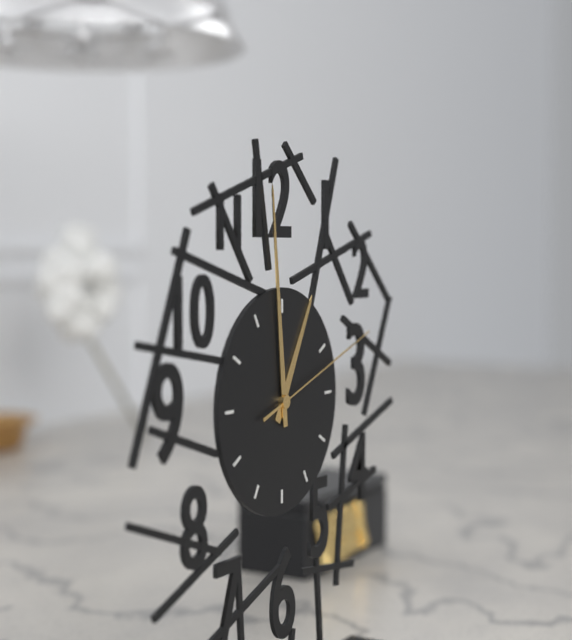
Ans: h=12 m=59 s=12
